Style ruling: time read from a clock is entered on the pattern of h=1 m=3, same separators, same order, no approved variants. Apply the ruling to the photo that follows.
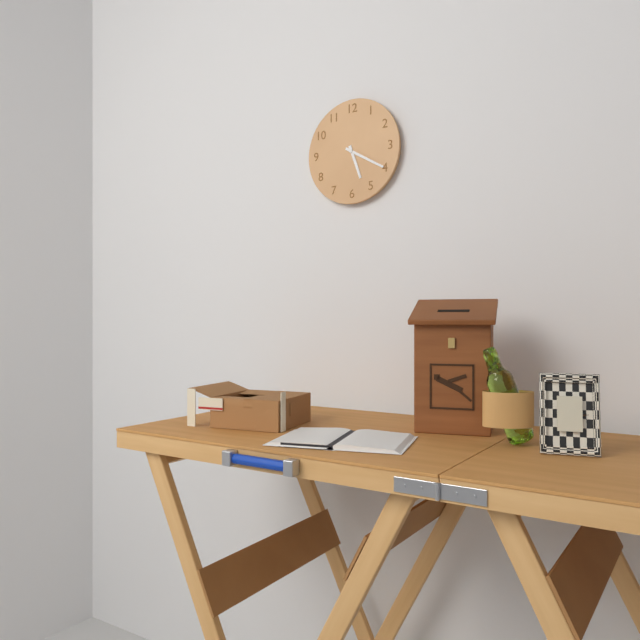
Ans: h=5 m=20
